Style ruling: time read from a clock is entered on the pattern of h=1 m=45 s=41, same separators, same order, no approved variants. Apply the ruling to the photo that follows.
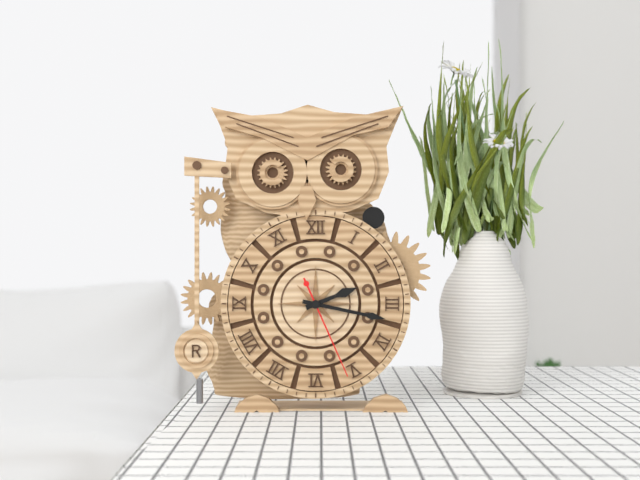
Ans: h=2 m=17 s=26
